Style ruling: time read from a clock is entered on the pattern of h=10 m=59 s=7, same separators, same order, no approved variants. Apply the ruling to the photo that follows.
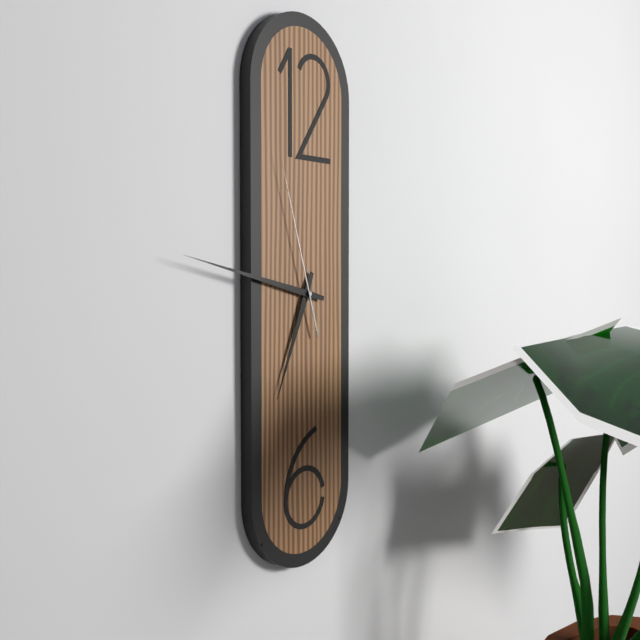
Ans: h=6 m=47 s=57
